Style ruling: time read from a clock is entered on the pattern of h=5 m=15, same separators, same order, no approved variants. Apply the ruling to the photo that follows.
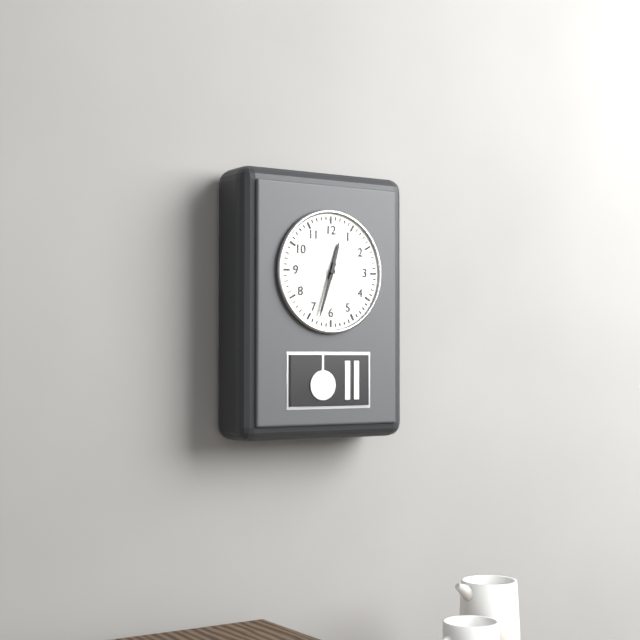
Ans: h=12 m=33
